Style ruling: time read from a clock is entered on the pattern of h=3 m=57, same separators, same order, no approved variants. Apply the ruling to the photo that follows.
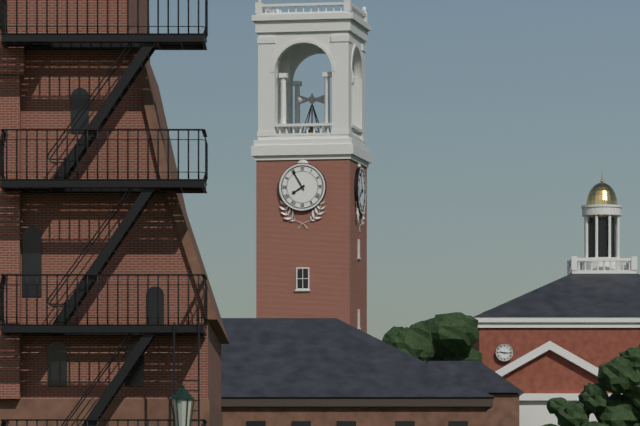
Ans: h=7 m=55
